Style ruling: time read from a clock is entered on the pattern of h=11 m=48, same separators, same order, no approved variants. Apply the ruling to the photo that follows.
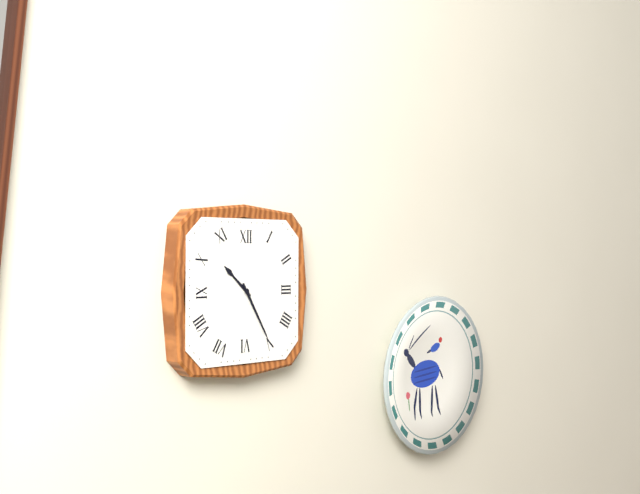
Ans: h=10 m=25
